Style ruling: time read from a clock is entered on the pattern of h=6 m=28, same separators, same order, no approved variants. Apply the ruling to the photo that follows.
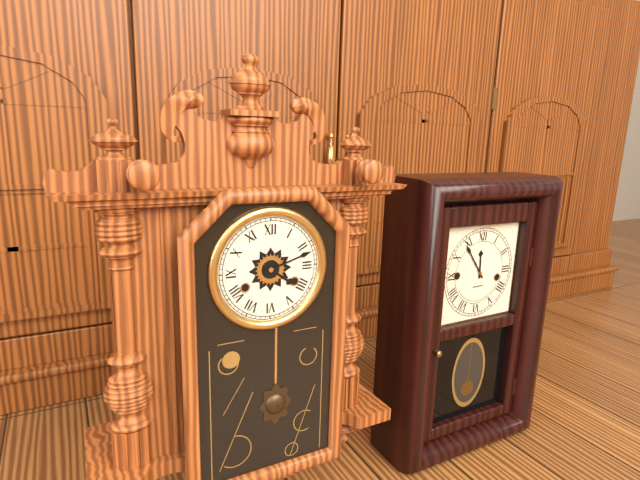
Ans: h=4 m=12
